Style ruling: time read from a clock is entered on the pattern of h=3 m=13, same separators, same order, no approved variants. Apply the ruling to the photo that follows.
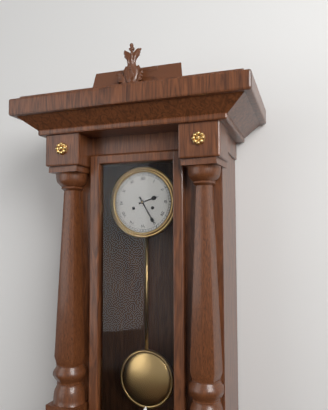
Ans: h=2 m=25
